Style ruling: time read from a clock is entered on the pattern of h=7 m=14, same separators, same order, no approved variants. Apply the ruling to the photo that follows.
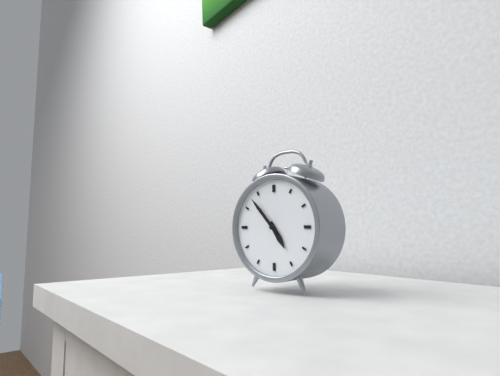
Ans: h=4 m=53
